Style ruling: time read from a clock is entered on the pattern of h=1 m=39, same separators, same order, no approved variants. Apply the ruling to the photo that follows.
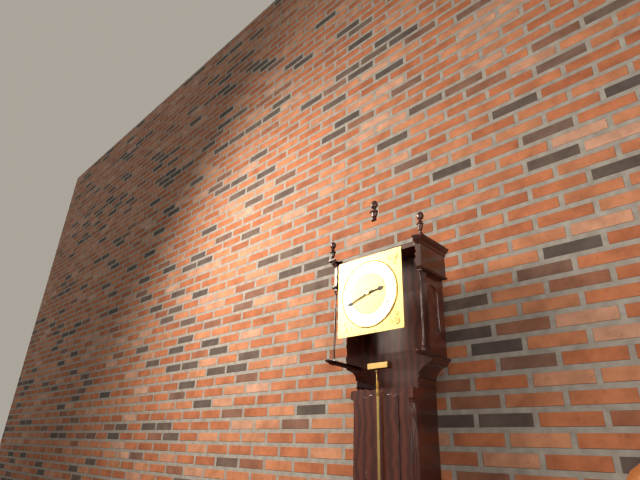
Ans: h=2 m=42
